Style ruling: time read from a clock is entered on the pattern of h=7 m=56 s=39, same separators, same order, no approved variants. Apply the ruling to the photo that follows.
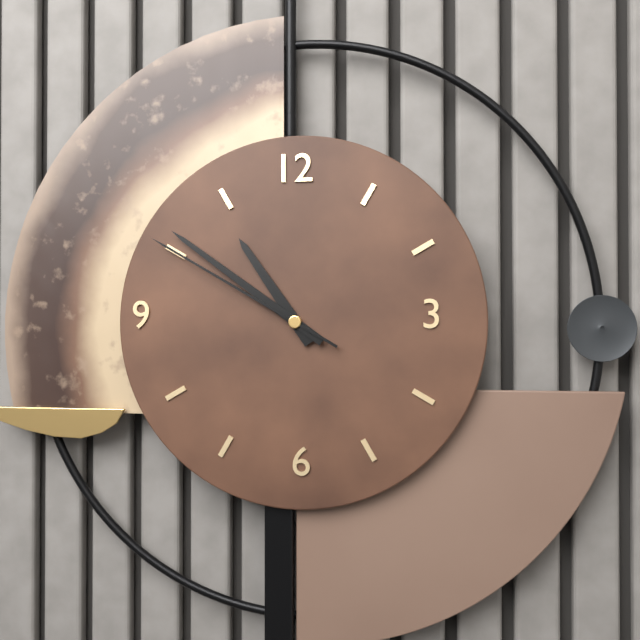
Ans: h=10 m=51 s=50
